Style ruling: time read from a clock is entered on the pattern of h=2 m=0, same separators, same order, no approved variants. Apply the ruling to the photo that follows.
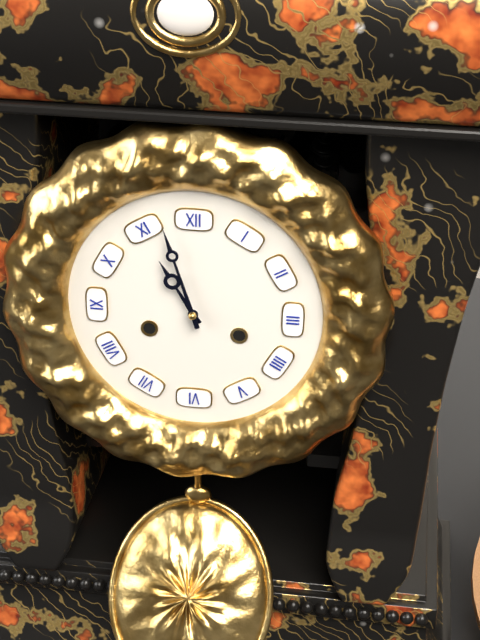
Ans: h=10 m=57
